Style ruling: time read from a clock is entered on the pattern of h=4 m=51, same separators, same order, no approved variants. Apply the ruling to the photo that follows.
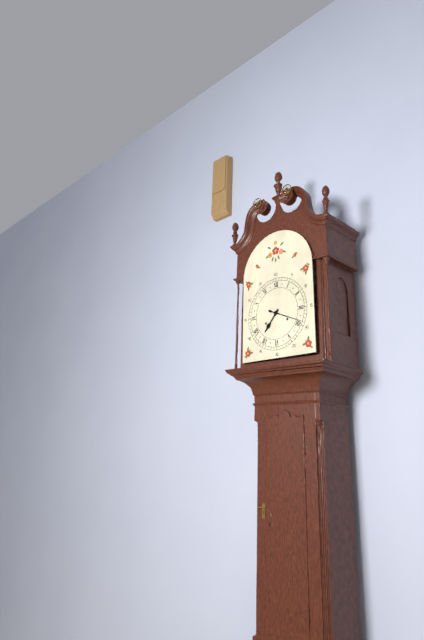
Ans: h=7 m=19
